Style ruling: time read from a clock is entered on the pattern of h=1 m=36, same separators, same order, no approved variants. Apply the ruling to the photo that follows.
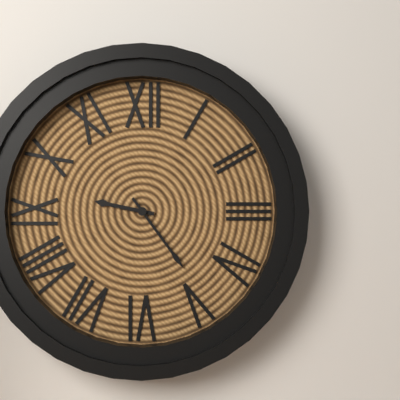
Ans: h=9 m=24
